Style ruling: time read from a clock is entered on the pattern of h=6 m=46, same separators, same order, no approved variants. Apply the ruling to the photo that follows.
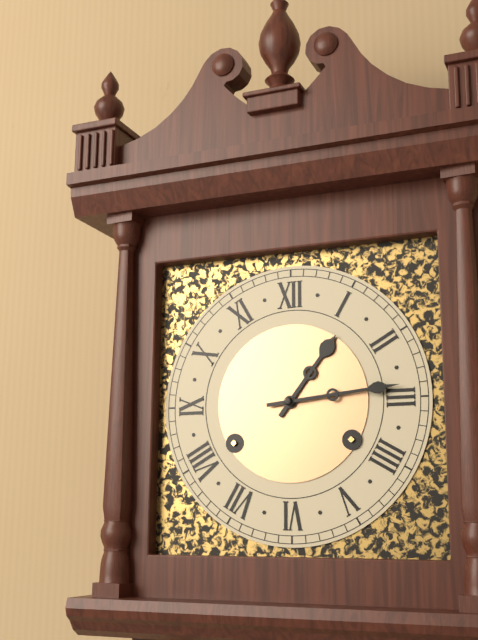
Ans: h=1 m=14
